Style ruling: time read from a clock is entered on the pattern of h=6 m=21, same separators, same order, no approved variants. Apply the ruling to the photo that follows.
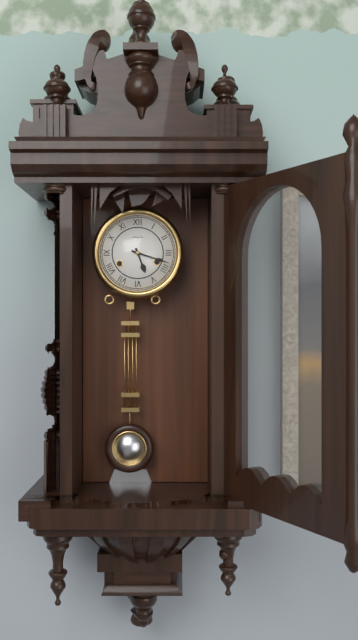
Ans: h=5 m=18
